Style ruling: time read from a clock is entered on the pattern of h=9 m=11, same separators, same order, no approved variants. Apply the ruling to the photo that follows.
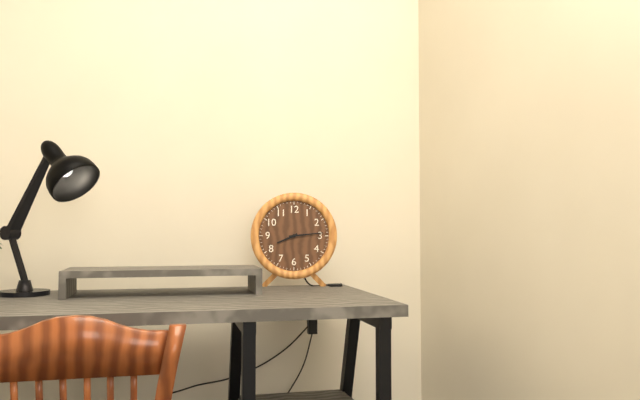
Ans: h=8 m=14
